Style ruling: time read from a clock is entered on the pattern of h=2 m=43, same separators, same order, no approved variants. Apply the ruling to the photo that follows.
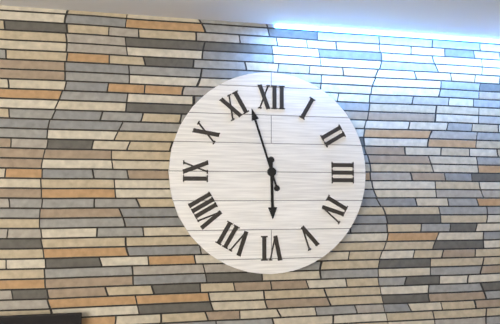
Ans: h=5 m=57
